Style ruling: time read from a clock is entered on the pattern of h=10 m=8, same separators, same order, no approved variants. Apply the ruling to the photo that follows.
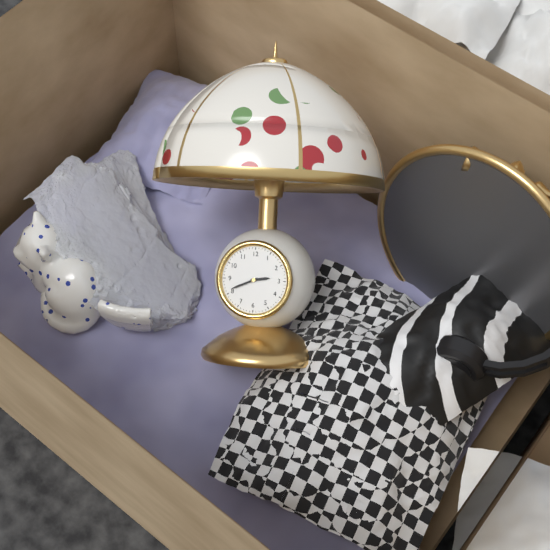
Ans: h=2 m=41
